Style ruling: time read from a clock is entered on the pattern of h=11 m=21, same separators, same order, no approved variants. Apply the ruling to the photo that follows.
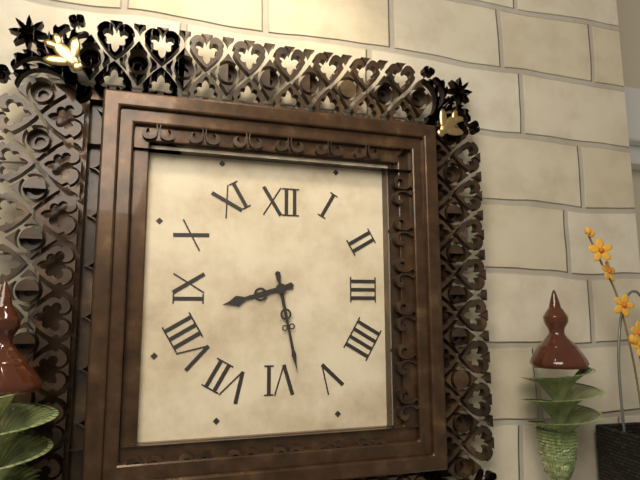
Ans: h=8 m=28
